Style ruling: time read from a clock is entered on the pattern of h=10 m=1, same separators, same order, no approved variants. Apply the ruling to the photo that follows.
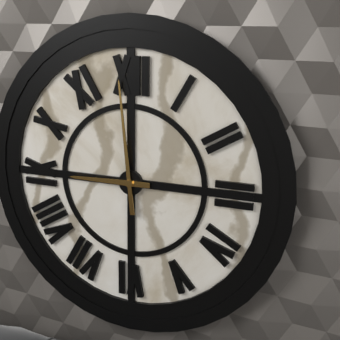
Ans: h=8 m=59
